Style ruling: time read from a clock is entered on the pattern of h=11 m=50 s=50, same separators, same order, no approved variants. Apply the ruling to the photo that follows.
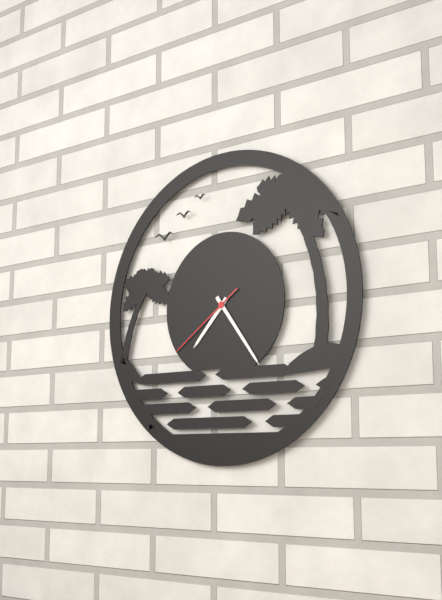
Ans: h=7 m=24 s=39
